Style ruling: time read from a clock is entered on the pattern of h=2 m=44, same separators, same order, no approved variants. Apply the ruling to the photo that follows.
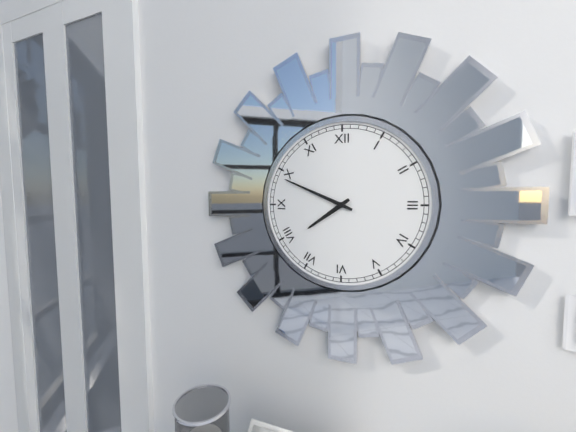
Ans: h=7 m=49
